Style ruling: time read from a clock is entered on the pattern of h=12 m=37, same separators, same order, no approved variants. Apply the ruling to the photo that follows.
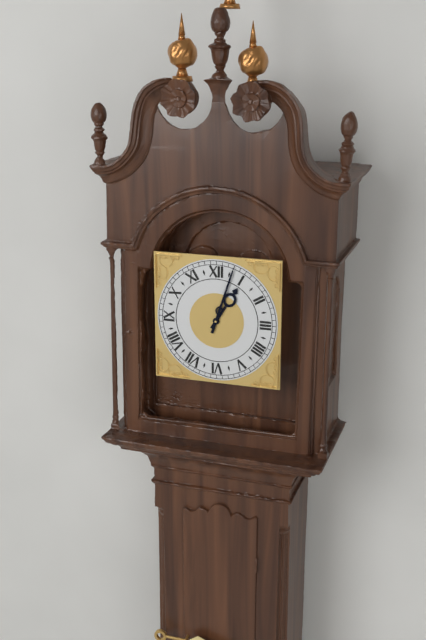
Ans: h=1 m=3
